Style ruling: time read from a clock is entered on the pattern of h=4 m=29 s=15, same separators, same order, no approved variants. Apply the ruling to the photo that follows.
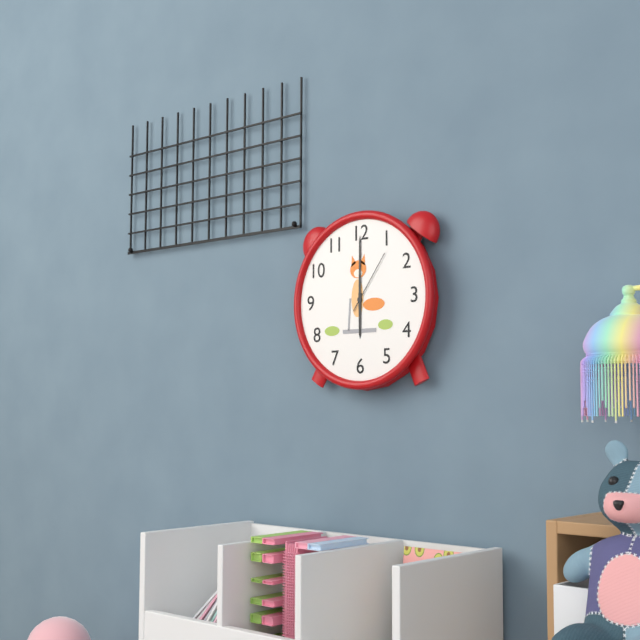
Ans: h=6 m=0 s=6
